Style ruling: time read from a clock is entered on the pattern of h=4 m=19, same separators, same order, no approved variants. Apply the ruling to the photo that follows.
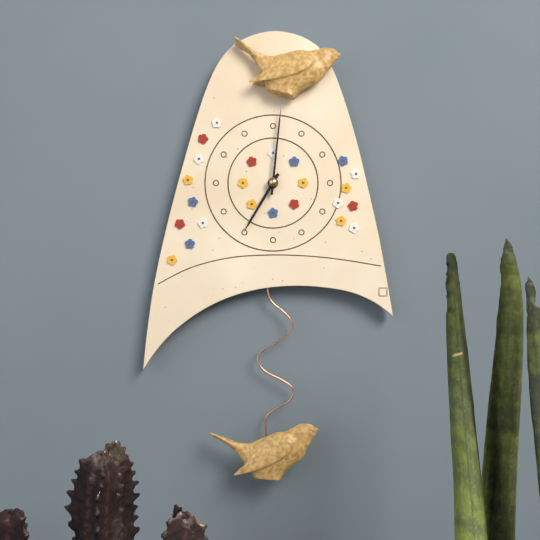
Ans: h=7 m=1
